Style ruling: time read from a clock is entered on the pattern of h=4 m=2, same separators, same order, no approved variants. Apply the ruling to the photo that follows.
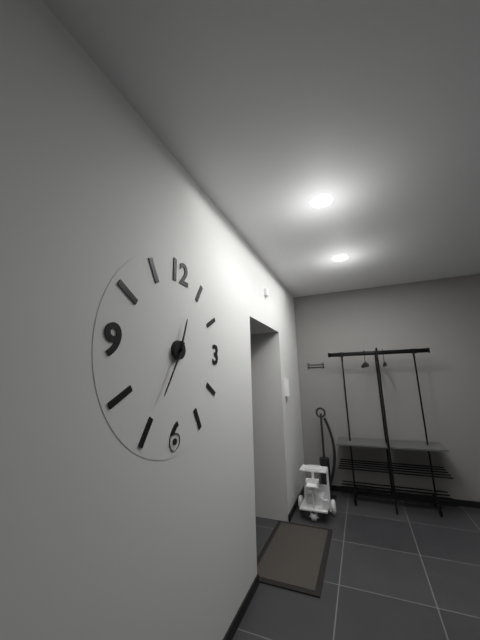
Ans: h=12 m=35
